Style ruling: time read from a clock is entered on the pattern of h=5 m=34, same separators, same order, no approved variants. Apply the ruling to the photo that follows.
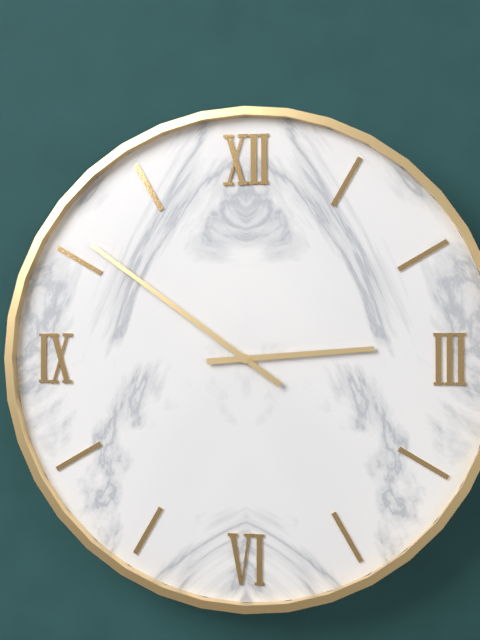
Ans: h=2 m=51
